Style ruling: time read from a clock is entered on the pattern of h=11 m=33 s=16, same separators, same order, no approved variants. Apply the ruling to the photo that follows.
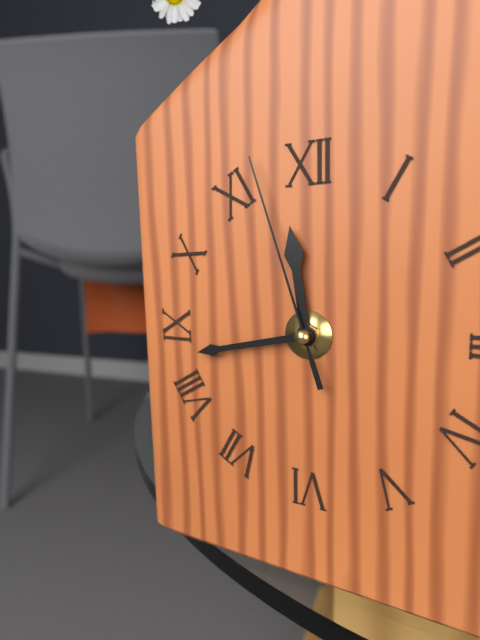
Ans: h=11 m=43 s=57
